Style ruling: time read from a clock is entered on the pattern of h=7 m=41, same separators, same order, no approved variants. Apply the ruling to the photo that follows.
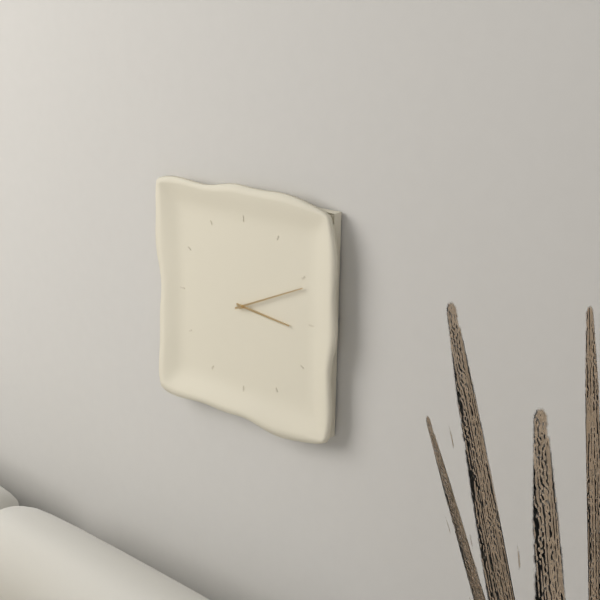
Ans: h=3 m=11
